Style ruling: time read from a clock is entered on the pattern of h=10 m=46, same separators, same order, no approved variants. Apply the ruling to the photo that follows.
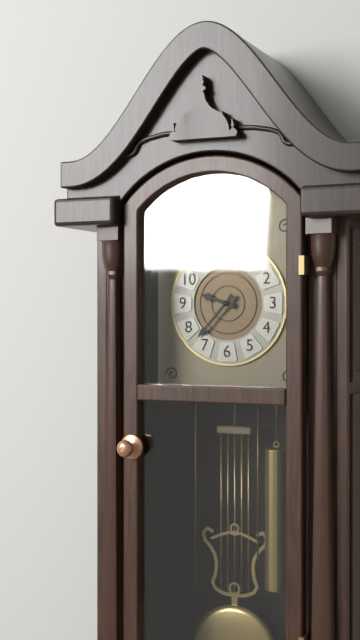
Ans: h=9 m=37
